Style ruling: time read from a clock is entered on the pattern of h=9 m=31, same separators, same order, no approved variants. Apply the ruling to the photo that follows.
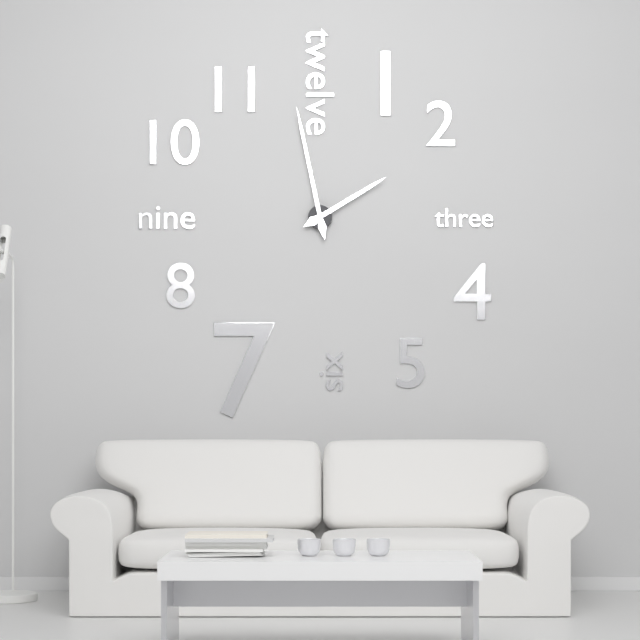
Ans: h=1 m=58
